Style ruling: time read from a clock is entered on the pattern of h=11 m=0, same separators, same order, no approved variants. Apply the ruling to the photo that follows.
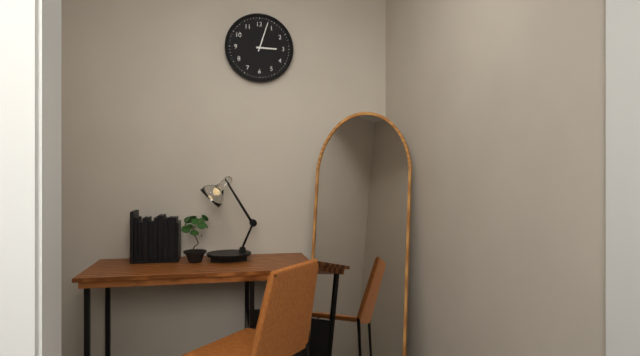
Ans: h=3 m=3
